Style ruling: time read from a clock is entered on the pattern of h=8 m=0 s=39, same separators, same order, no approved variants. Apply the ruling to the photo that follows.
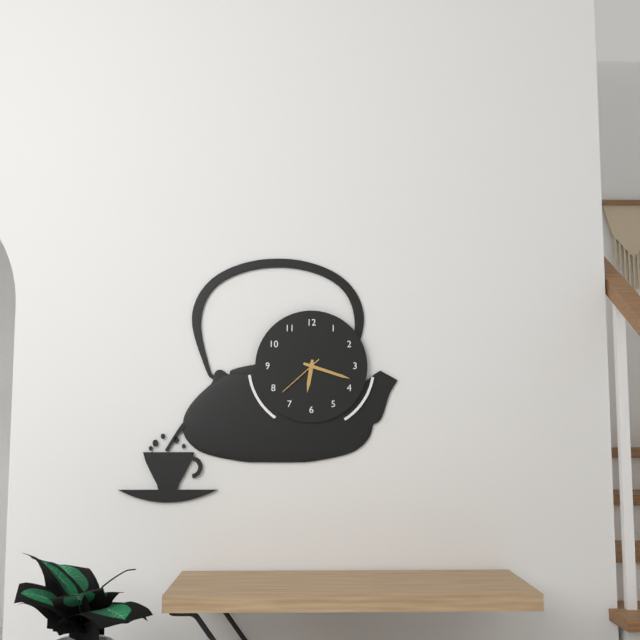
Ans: h=6 m=18 s=38
